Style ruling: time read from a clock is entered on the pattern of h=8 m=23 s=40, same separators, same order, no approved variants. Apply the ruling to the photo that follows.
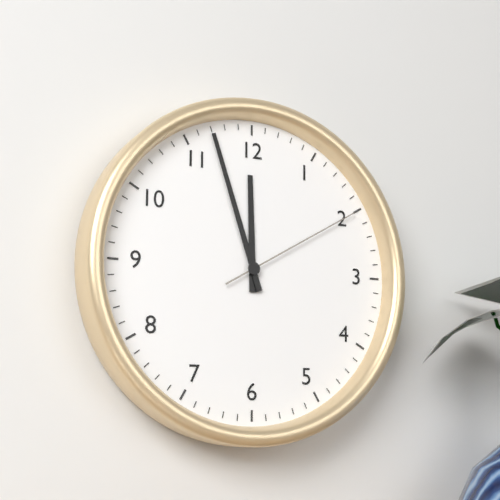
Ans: h=11 m=57 s=10
